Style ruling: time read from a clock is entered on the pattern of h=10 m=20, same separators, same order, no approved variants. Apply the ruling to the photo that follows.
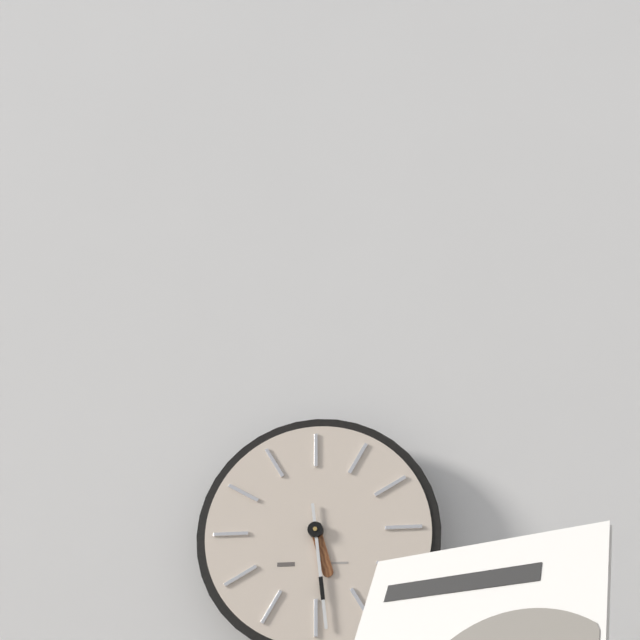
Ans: h=5 m=29
